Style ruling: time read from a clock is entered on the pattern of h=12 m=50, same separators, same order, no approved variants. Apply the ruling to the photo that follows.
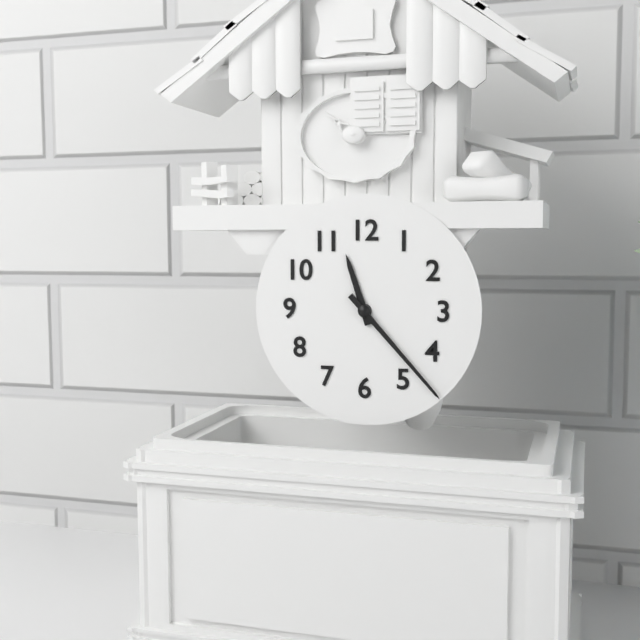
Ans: h=11 m=23
